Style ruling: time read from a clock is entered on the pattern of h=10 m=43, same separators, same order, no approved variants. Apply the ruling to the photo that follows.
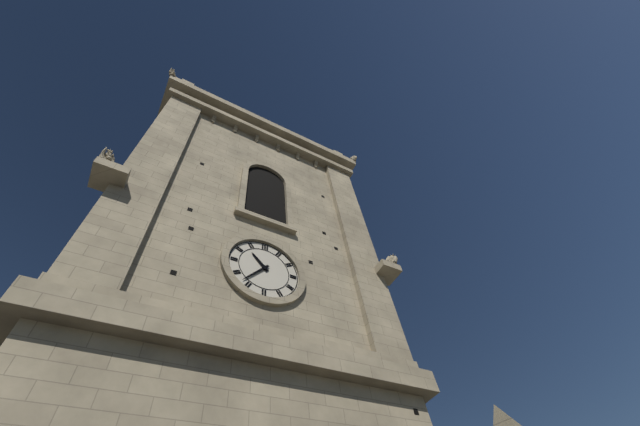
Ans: h=10 m=37
